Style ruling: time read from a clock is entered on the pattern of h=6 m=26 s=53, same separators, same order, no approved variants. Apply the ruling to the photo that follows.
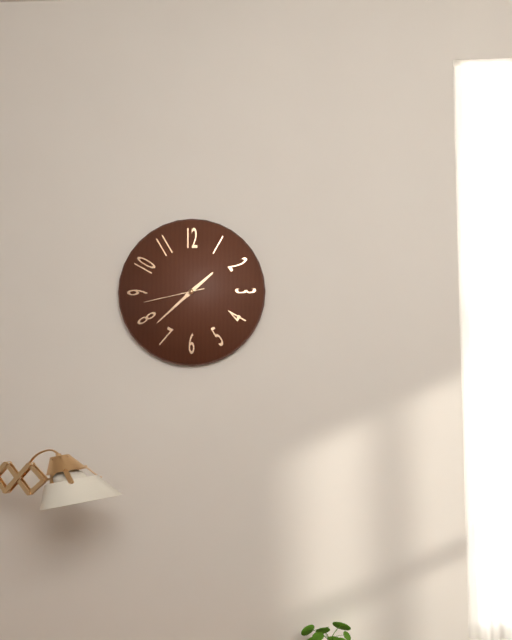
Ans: h=1 m=38 s=43
